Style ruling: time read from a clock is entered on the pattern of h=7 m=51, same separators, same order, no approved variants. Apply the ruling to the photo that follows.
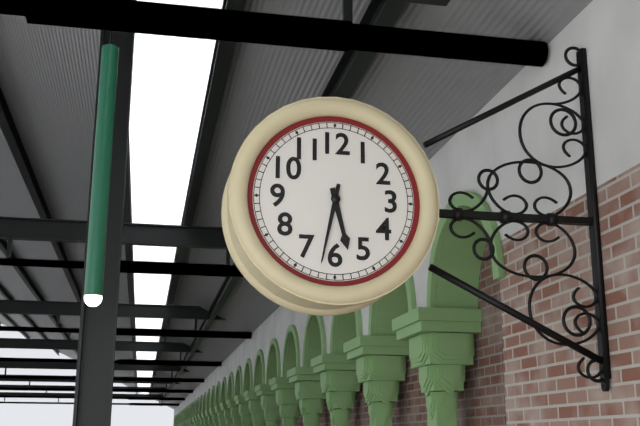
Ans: h=5 m=32
